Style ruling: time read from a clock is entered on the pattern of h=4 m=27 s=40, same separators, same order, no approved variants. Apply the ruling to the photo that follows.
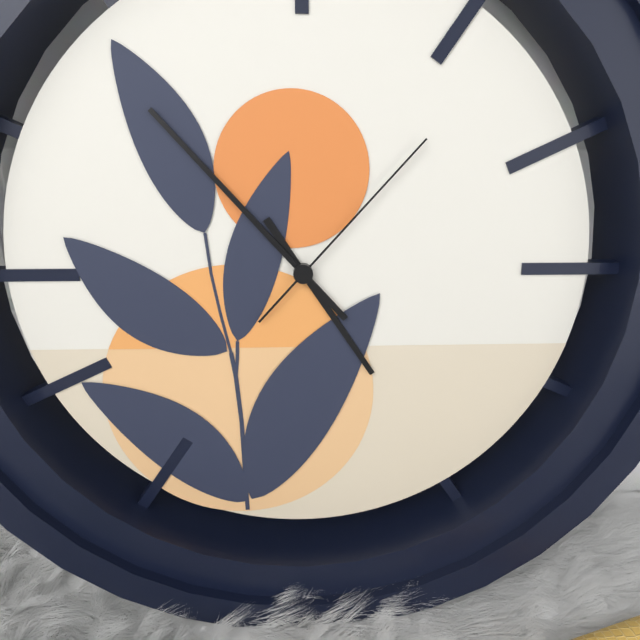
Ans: h=4 m=53 s=7
